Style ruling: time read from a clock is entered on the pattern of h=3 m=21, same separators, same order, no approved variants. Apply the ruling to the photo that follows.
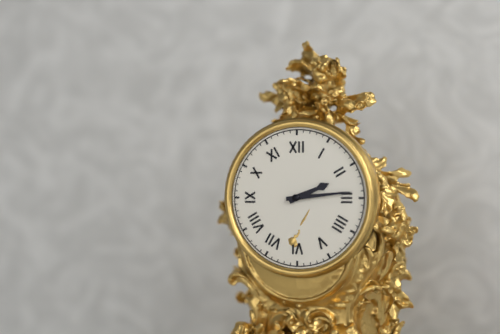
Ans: h=2 m=14
